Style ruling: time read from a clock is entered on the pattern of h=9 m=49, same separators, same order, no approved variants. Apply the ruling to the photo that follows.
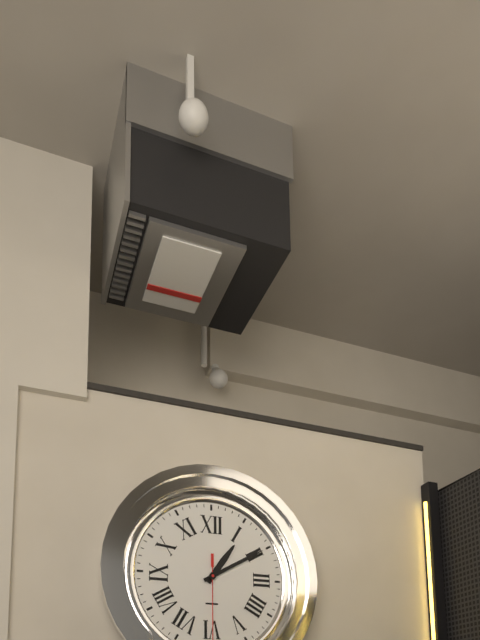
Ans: h=1 m=10
